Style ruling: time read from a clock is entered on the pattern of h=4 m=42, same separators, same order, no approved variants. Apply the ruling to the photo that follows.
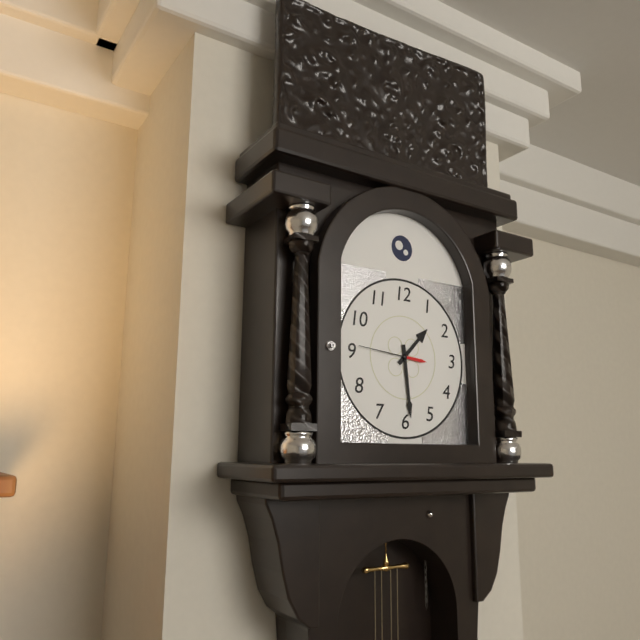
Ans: h=1 m=29
